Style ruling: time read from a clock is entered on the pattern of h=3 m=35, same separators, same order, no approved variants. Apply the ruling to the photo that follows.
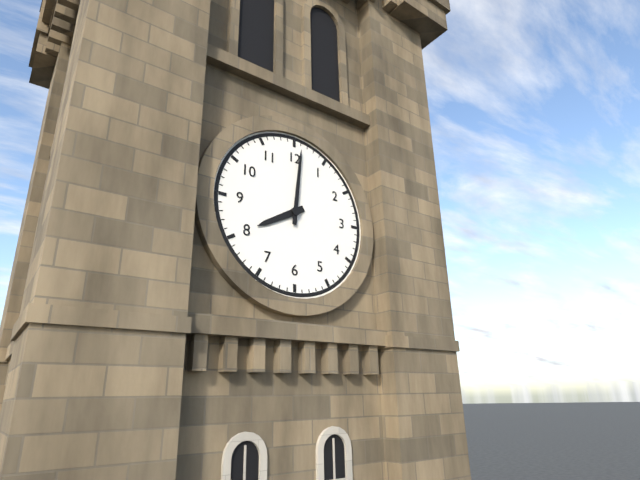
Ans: h=8 m=1
